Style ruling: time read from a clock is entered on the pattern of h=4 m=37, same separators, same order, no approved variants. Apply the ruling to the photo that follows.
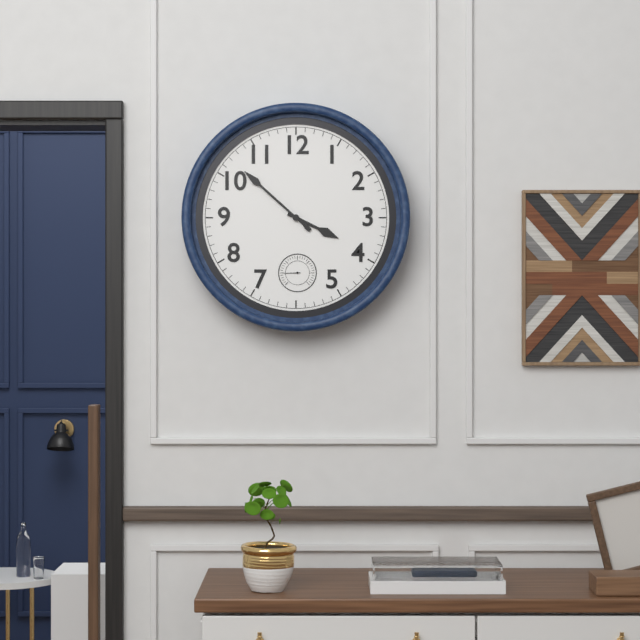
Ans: h=3 m=52
